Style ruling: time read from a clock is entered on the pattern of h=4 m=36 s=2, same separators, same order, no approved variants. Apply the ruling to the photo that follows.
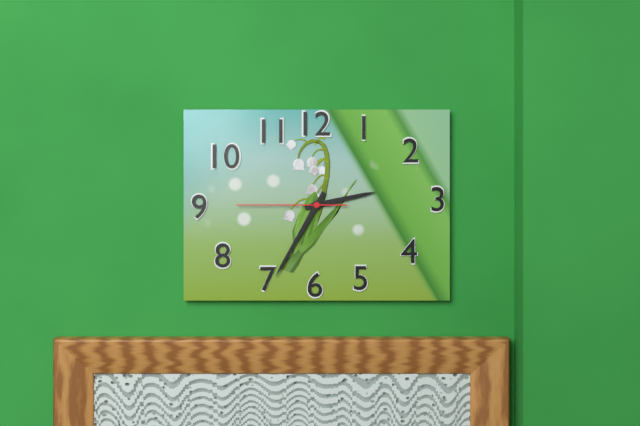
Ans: h=2 m=35 s=45
